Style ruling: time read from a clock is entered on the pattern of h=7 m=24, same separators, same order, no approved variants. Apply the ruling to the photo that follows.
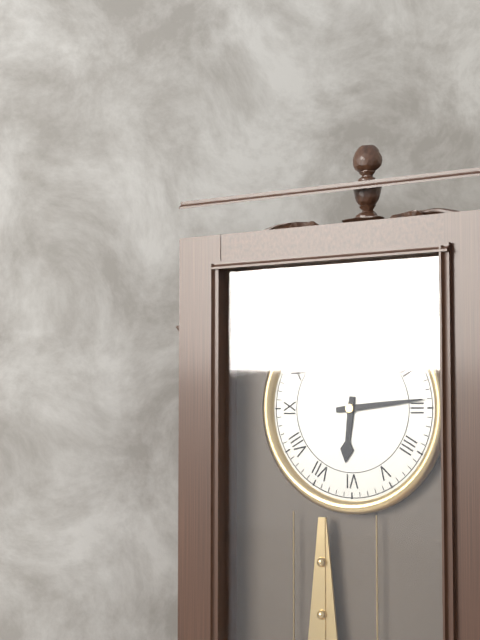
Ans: h=6 m=14
